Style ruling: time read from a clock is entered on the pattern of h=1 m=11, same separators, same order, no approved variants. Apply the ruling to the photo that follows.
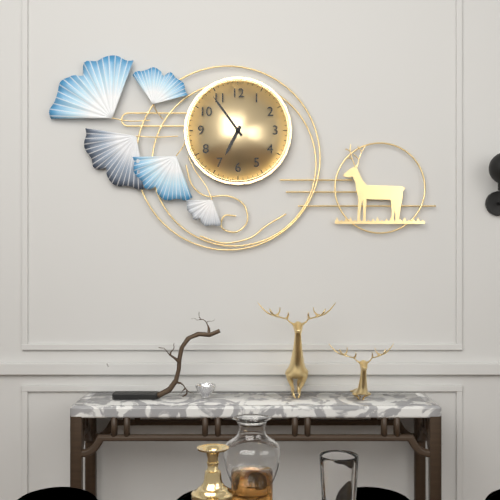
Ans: h=6 m=54
